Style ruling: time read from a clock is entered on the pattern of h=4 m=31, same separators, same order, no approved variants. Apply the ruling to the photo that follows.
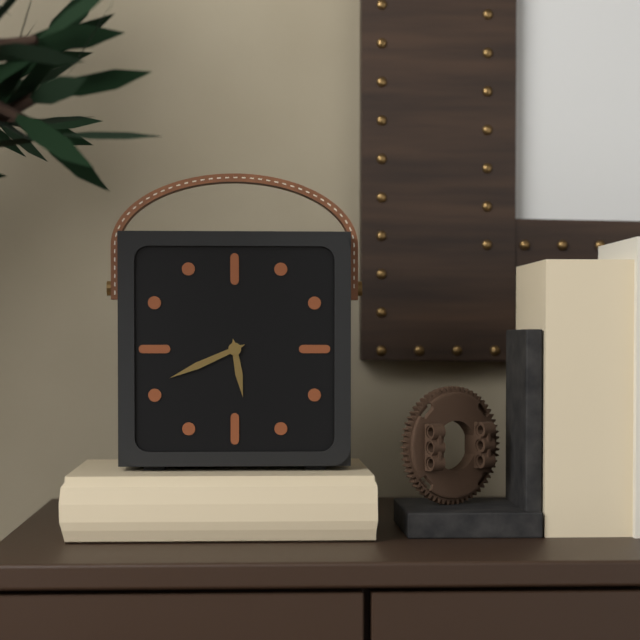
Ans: h=5 m=41
